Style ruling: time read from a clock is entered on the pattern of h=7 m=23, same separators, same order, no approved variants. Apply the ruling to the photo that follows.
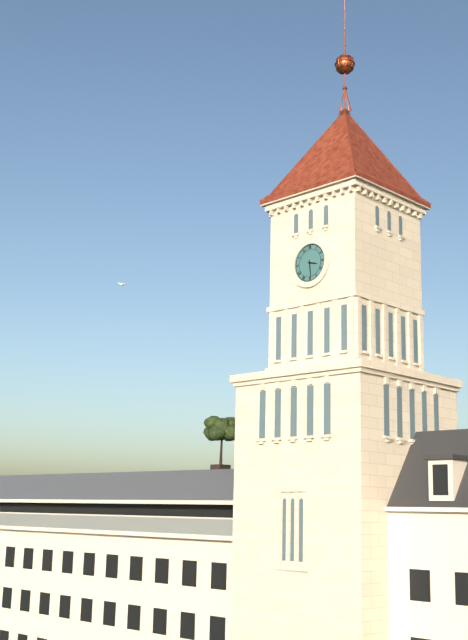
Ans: h=3 m=29
